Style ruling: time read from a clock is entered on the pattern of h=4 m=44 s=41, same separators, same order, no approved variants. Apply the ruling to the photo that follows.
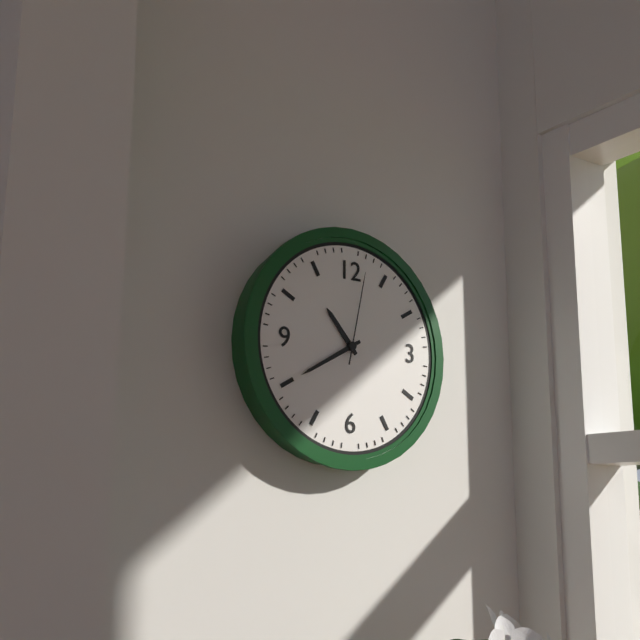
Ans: h=10 m=40 s=2
